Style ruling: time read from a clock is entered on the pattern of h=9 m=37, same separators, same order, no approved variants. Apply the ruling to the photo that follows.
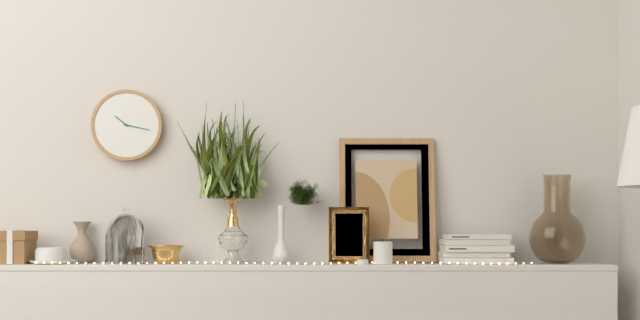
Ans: h=10 m=17
